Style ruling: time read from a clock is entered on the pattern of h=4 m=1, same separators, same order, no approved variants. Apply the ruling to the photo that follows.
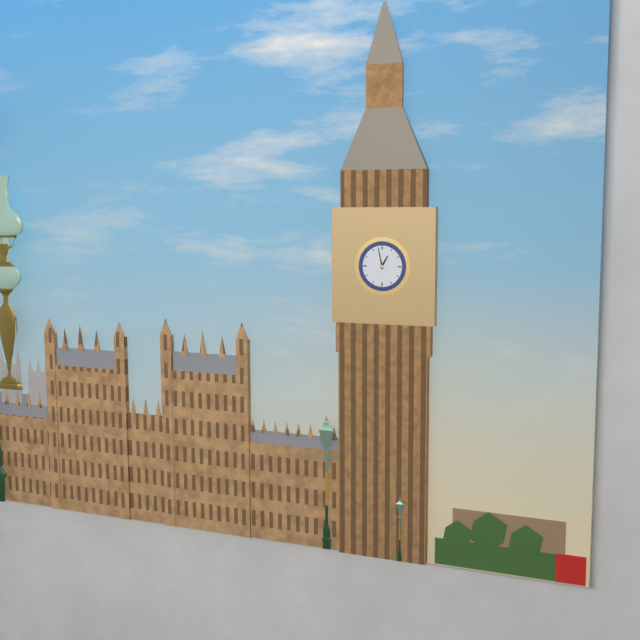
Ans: h=12 m=58
